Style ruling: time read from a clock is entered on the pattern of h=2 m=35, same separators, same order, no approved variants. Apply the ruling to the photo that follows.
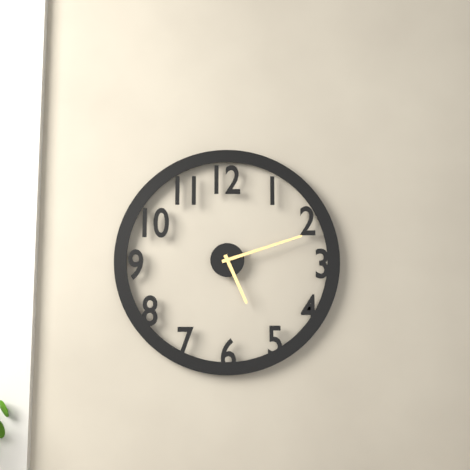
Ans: h=5 m=12
